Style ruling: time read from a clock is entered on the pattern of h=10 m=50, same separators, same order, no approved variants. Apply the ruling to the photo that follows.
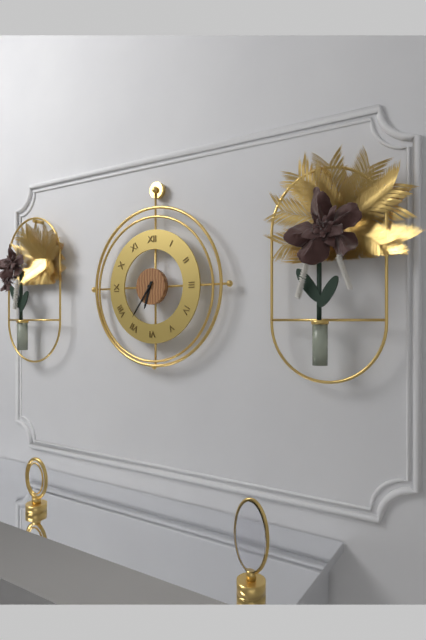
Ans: h=6 m=36
